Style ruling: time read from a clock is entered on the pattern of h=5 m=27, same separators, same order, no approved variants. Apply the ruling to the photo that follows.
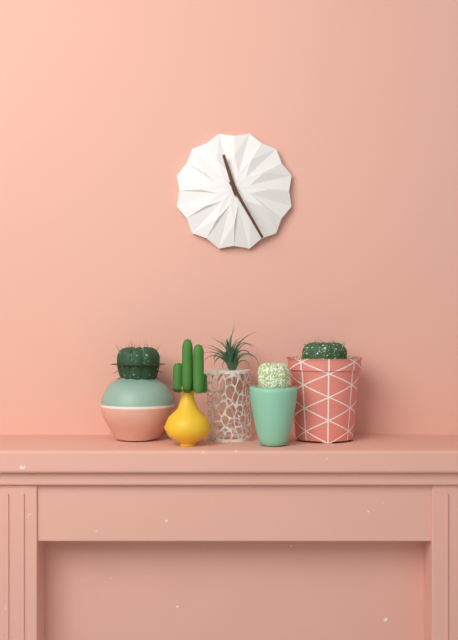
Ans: h=11 m=25
